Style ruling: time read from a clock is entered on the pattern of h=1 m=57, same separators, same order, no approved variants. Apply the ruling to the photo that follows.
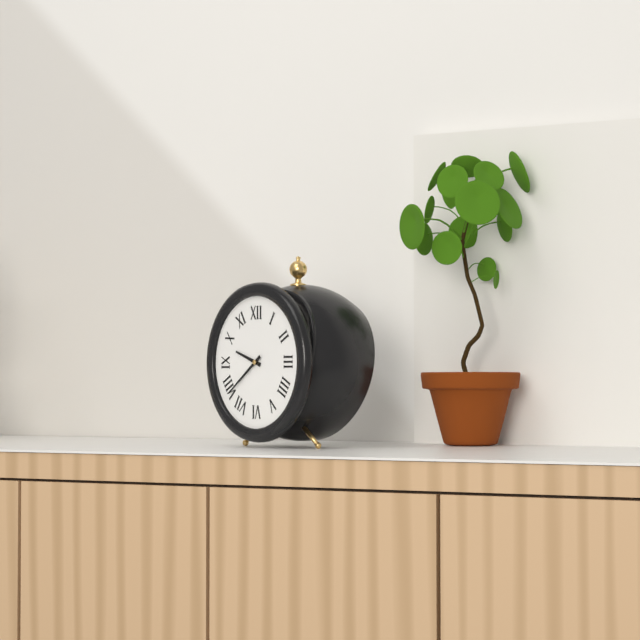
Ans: h=9 m=39
